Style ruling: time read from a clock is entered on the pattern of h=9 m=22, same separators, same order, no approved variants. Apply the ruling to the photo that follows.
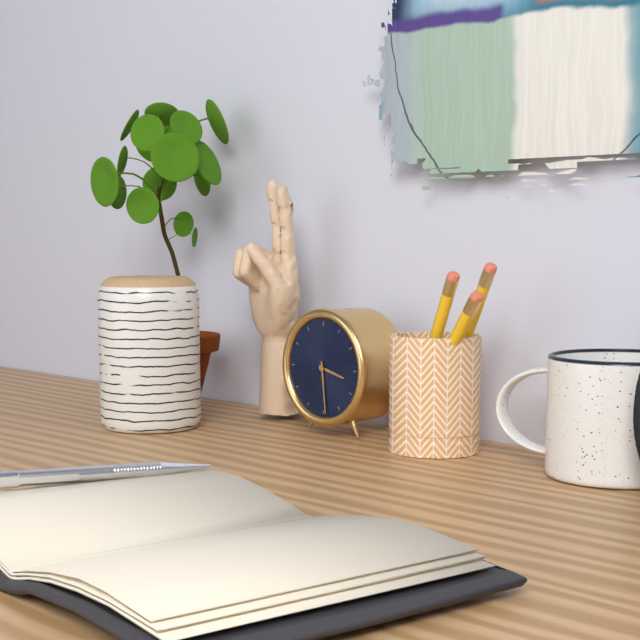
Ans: h=3 m=29
